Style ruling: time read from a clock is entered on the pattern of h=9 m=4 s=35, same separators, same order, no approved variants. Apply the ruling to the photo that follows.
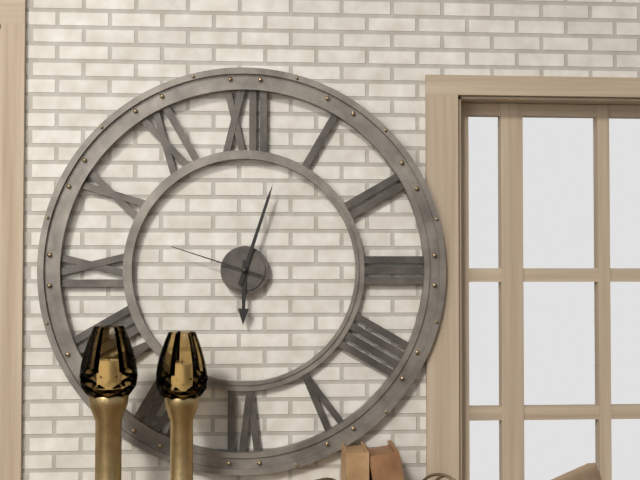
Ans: h=6 m=3 s=48
